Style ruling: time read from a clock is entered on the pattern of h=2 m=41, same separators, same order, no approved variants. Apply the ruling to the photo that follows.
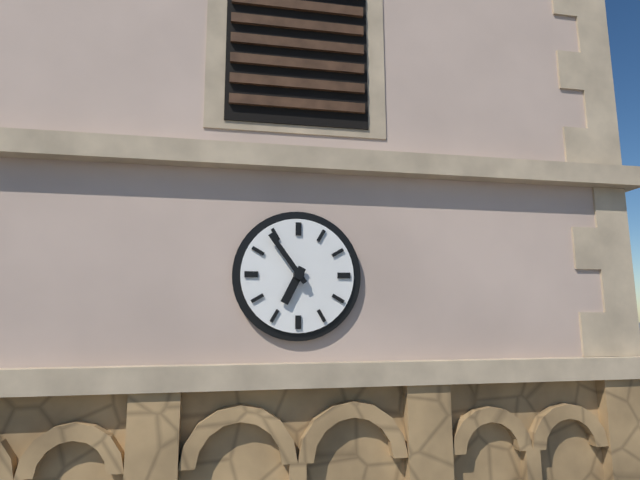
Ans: h=6 m=54
